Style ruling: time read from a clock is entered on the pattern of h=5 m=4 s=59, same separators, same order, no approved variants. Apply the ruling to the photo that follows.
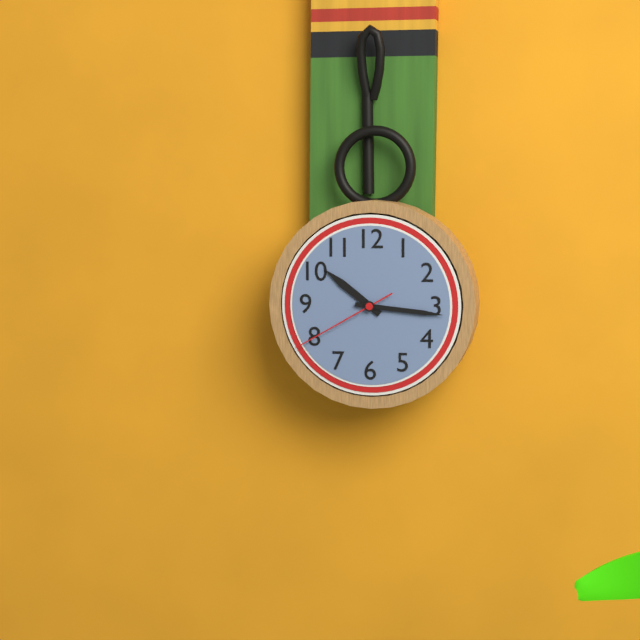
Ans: h=10 m=16 s=40
